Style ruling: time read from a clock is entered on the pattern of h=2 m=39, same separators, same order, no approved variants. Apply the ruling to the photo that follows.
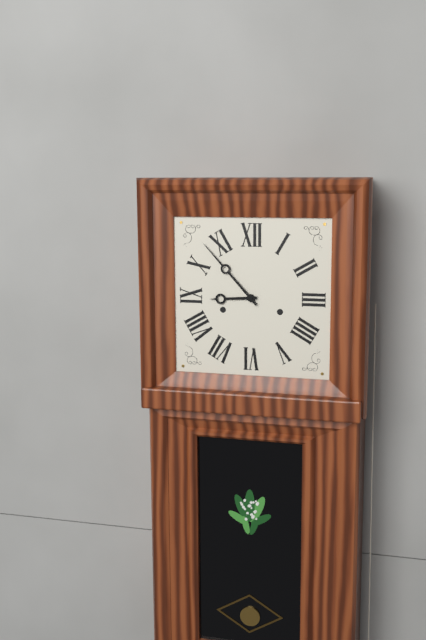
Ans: h=8 m=53
